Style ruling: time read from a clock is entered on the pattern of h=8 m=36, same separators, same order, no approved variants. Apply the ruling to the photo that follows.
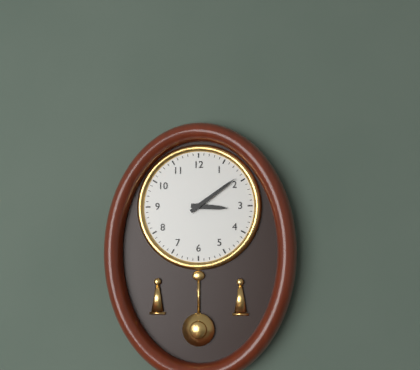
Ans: h=3 m=9
